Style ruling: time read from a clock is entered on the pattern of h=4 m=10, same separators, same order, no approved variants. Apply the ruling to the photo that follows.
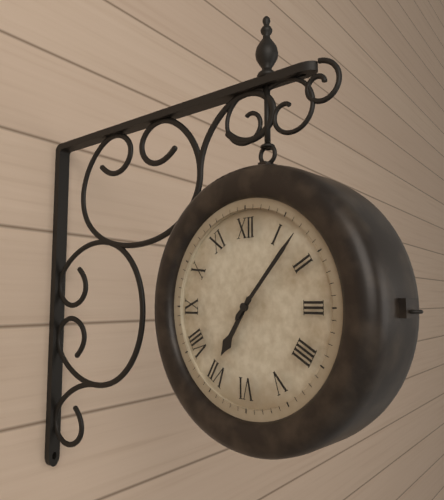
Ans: h=7 m=7
